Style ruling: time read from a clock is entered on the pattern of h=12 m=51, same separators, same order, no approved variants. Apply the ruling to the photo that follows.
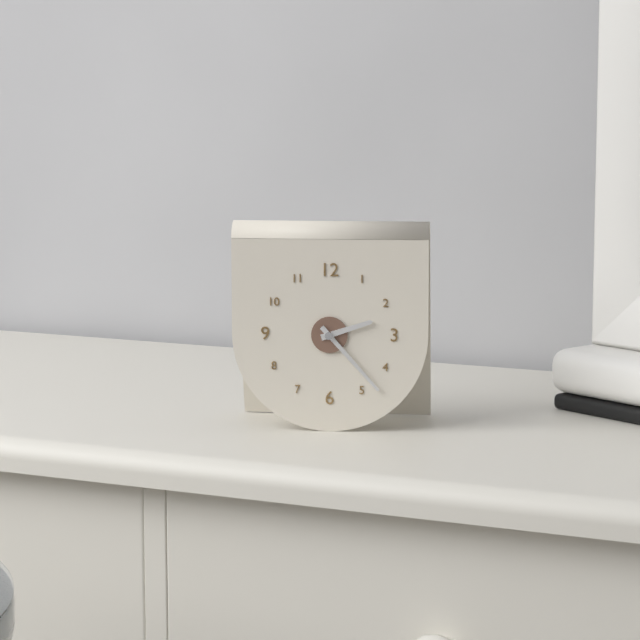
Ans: h=2 m=23
